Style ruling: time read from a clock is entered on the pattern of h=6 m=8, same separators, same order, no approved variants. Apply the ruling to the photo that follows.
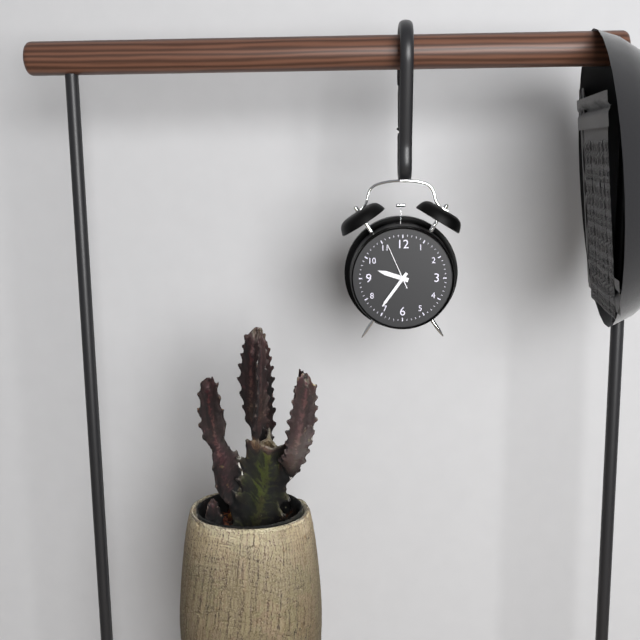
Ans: h=9 m=36
